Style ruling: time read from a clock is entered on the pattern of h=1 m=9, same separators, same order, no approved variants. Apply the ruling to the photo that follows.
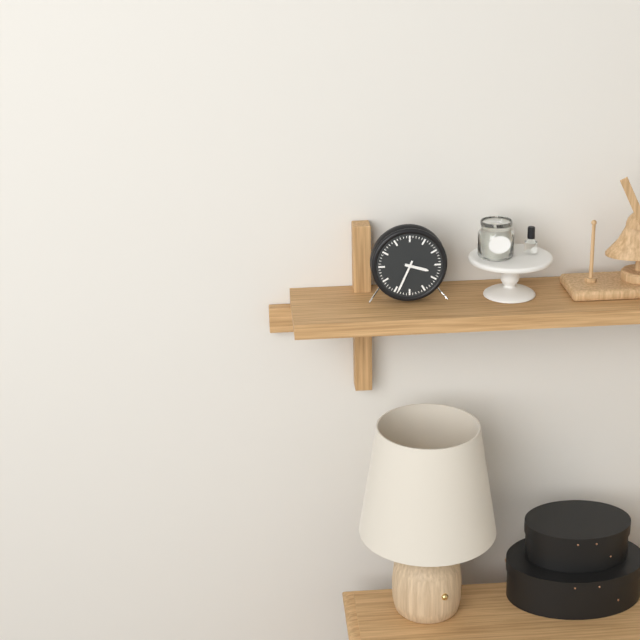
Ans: h=3 m=34
